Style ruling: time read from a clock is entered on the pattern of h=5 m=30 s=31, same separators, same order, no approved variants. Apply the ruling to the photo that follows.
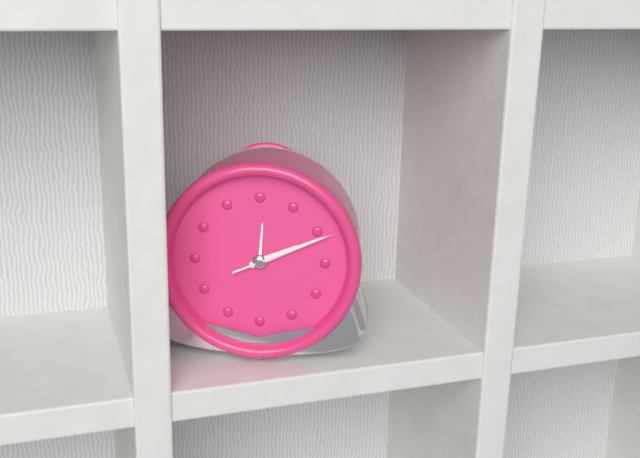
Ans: h=2 m=11 s=11
